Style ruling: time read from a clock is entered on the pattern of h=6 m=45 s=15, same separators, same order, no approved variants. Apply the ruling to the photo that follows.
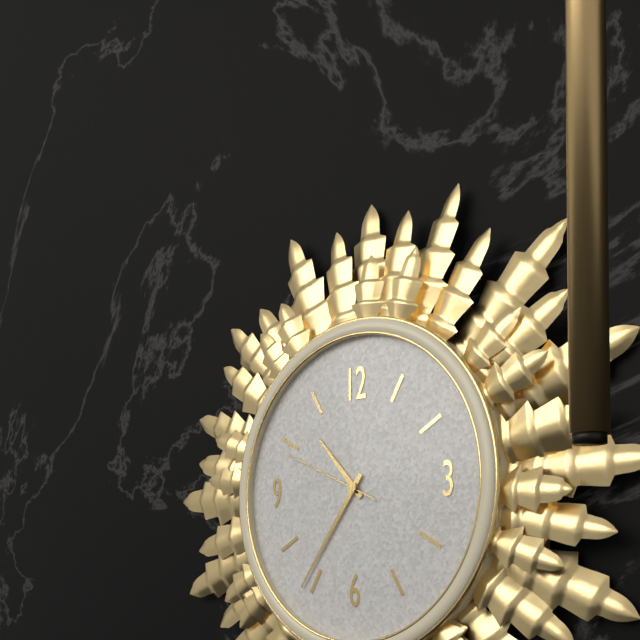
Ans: h=10 m=36 s=49
